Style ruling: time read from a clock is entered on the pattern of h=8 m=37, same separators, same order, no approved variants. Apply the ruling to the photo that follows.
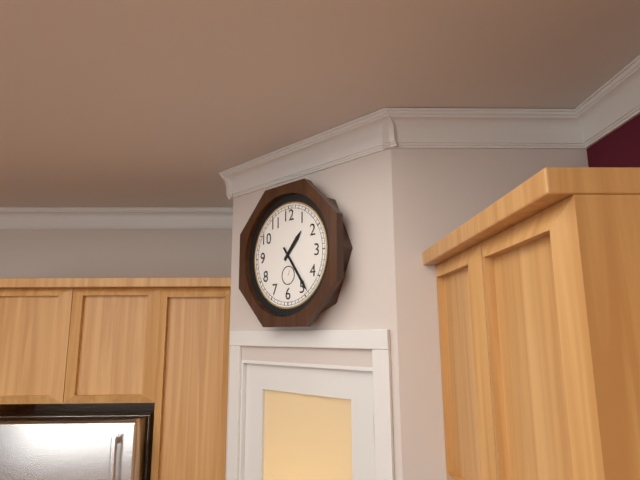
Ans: h=1 m=24
